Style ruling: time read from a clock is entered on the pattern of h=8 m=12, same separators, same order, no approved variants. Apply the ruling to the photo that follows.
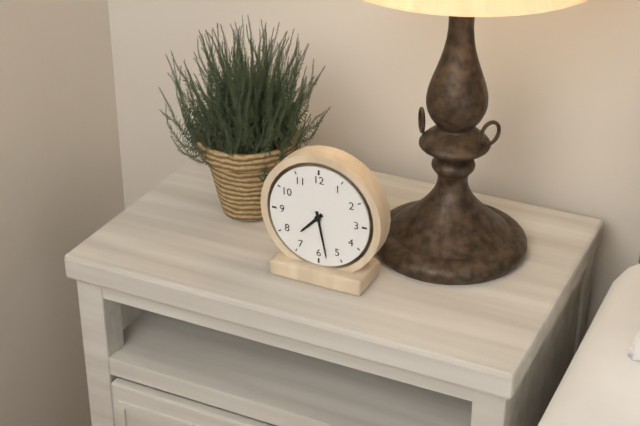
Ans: h=7 m=28
